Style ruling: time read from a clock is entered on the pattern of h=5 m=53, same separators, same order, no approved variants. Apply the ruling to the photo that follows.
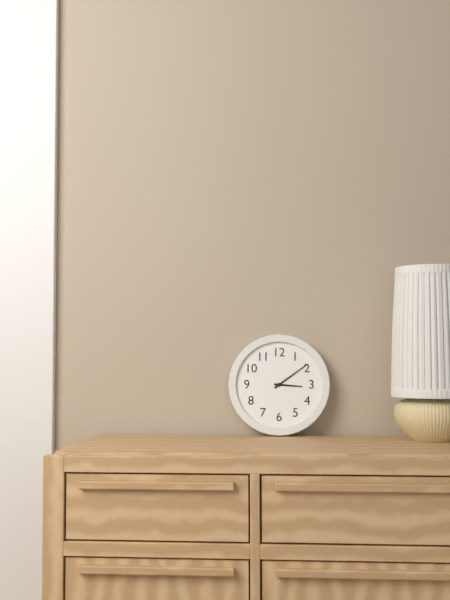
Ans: h=3 m=9
